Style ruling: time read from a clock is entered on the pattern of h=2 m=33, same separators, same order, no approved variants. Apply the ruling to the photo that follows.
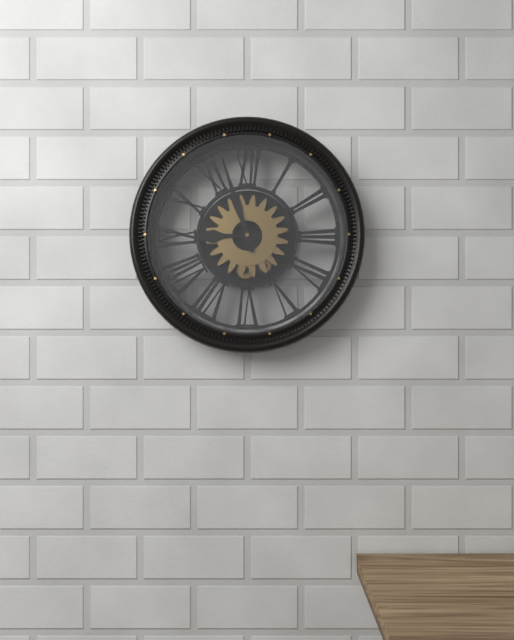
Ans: h=8 m=57
